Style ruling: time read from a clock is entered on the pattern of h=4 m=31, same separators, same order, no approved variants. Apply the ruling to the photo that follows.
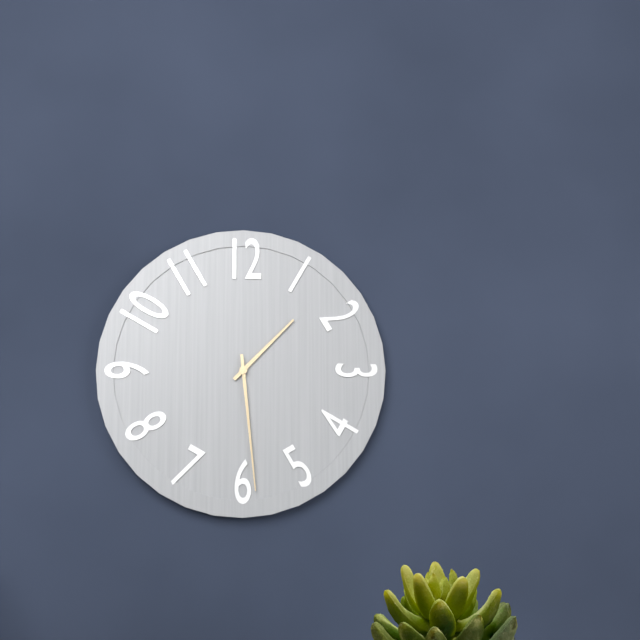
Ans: h=1 m=29
